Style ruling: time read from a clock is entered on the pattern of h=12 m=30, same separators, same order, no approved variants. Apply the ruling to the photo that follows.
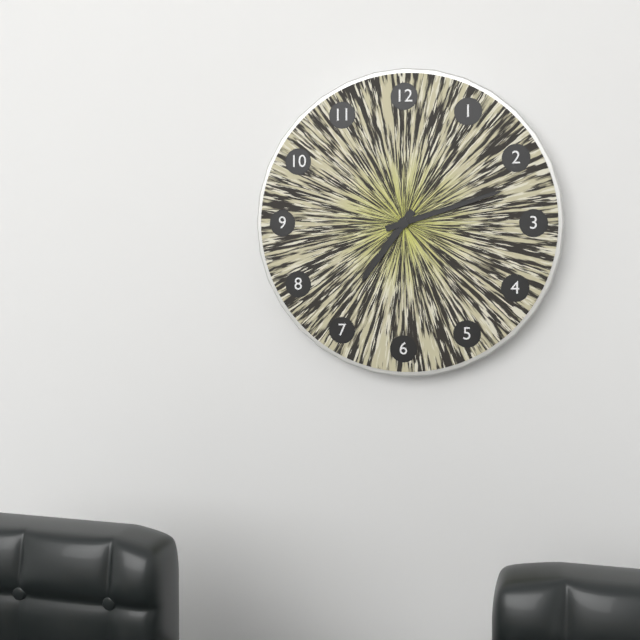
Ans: h=7 m=12
